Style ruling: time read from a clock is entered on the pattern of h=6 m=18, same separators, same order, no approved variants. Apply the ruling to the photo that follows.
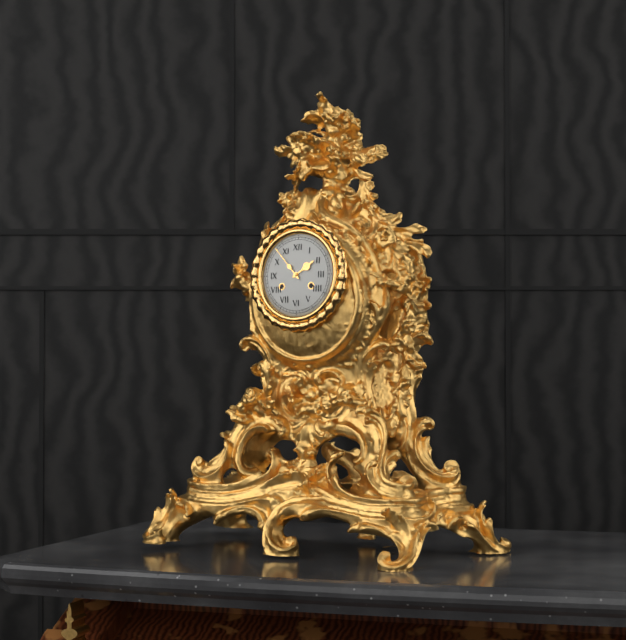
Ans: h=1 m=53
